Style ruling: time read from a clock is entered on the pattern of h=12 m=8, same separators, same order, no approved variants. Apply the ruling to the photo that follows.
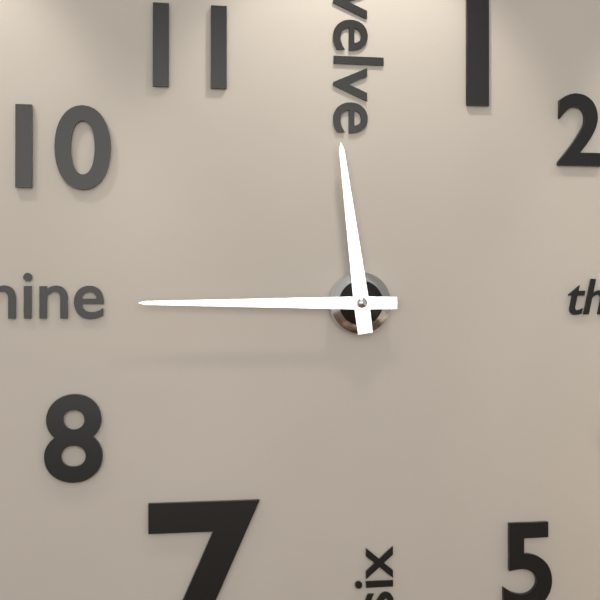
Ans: h=11 m=45
